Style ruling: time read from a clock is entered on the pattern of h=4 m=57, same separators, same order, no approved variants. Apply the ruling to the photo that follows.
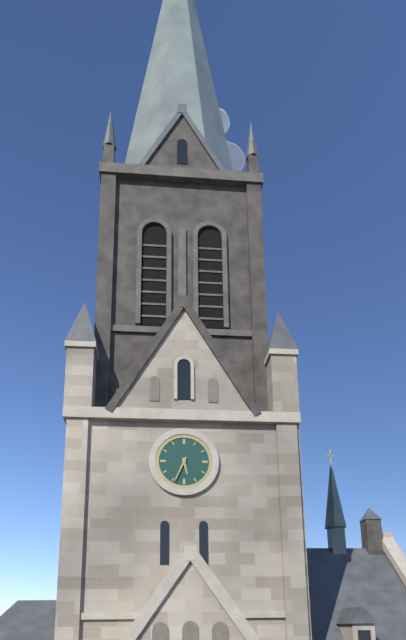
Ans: h=5 m=34
